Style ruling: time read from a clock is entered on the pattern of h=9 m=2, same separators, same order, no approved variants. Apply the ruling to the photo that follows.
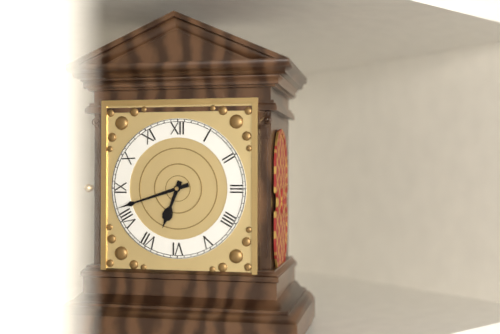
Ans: h=6 m=42
